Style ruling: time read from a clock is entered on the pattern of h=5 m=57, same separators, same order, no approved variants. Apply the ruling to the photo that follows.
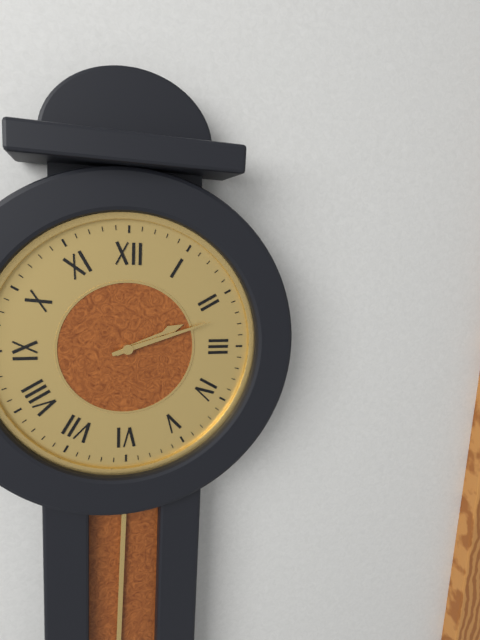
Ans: h=2 m=12
